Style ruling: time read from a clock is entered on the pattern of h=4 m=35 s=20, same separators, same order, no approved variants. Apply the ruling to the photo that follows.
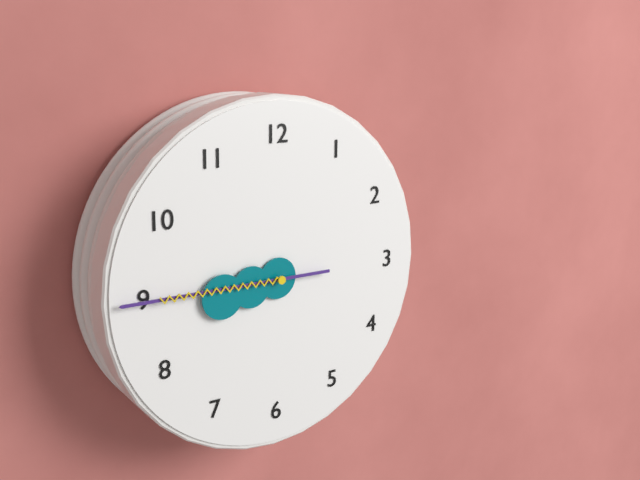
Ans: h=8 m=45 s=45
